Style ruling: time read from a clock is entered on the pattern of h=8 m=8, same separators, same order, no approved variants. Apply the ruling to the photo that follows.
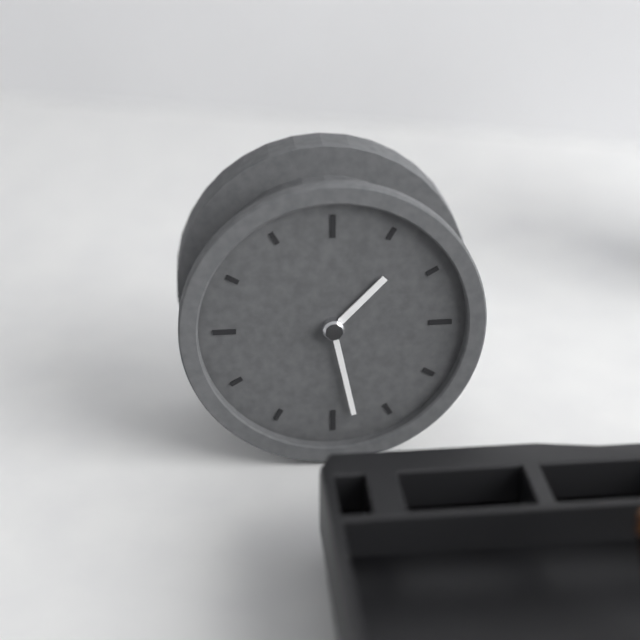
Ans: h=1 m=28
